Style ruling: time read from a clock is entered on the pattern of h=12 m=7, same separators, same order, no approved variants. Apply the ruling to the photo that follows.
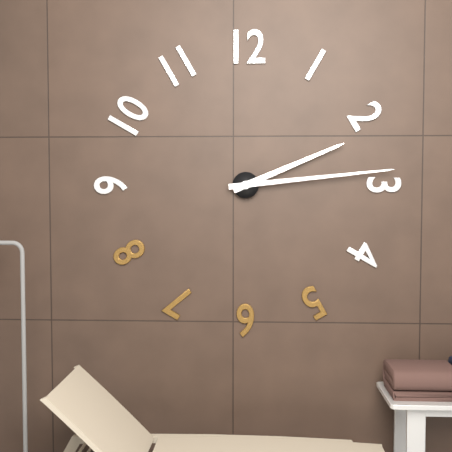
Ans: h=2 m=14
